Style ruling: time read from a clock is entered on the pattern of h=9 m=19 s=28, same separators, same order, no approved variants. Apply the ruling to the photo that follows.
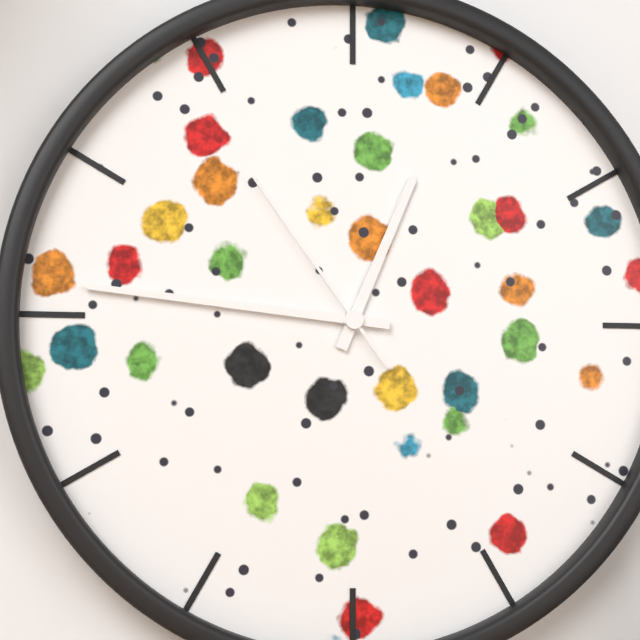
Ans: h=12 m=46 s=54
